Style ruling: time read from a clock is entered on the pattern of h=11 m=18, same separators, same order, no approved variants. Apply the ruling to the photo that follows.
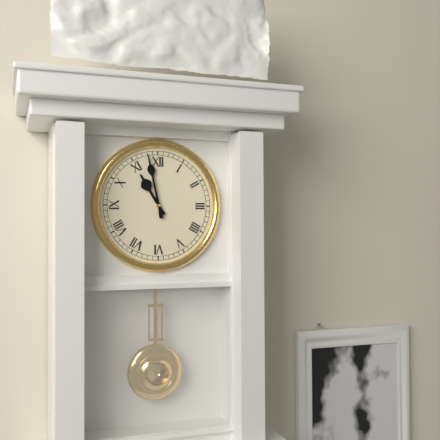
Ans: h=10 m=58
